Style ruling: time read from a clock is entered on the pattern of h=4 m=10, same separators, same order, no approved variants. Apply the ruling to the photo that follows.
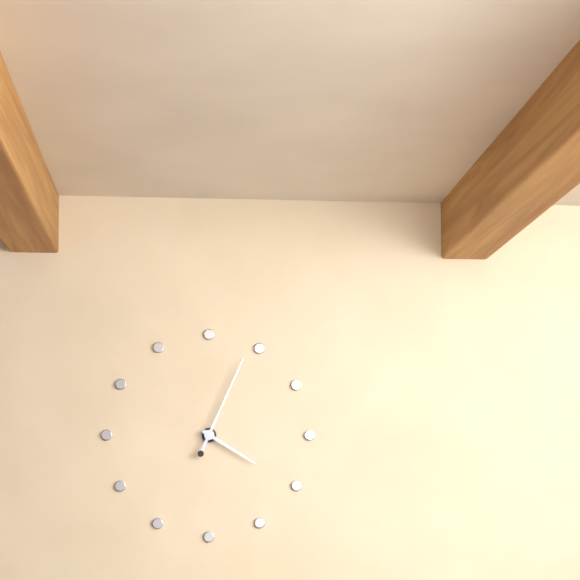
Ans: h=4 m=4
